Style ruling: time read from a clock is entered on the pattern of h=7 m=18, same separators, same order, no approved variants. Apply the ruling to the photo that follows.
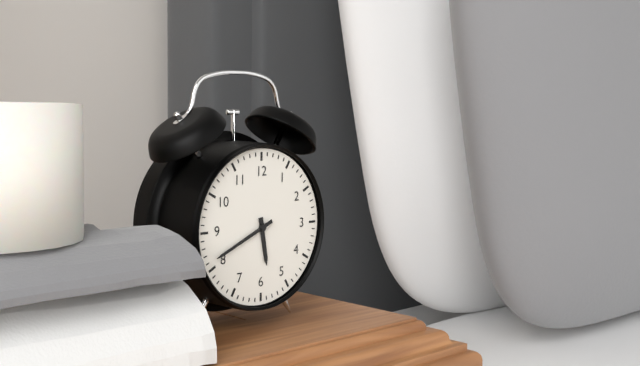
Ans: h=5 m=41
